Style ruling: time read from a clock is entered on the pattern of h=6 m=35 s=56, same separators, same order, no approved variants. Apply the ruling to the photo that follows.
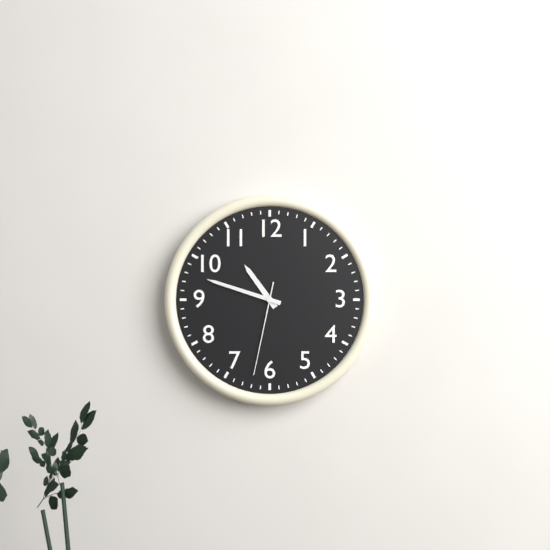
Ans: h=10 m=48 s=32
